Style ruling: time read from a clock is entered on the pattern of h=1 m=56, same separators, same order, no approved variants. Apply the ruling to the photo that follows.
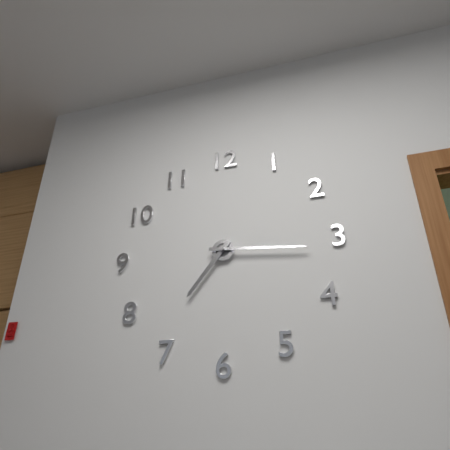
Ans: h=7 m=16
